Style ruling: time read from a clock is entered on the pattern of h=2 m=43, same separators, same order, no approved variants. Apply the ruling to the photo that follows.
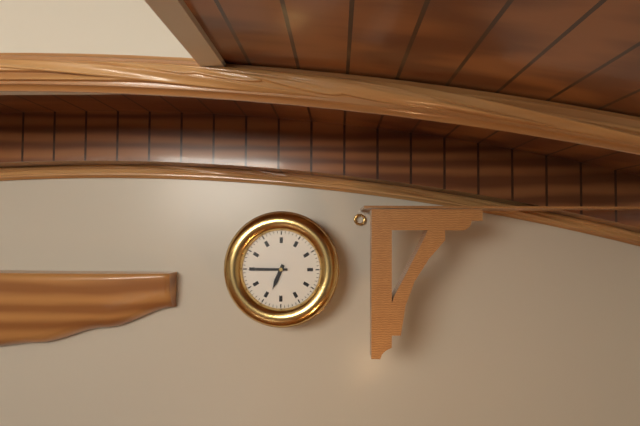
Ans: h=6 m=45
